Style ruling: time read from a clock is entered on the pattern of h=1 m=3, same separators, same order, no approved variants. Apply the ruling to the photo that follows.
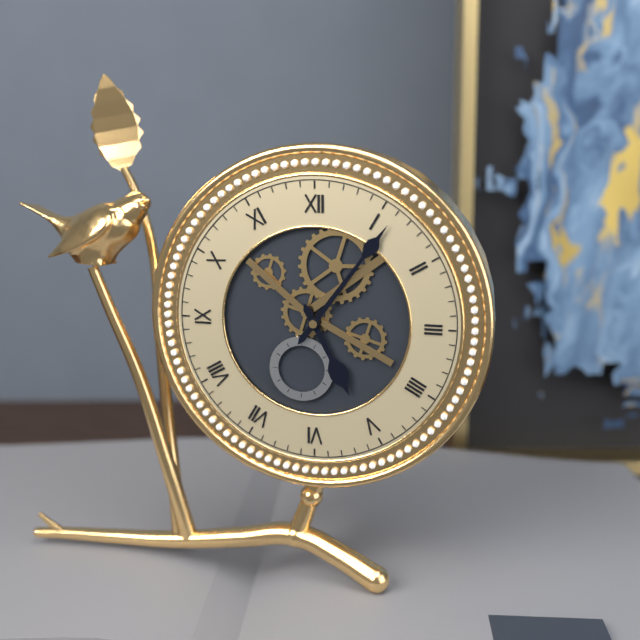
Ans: h=5 m=6
